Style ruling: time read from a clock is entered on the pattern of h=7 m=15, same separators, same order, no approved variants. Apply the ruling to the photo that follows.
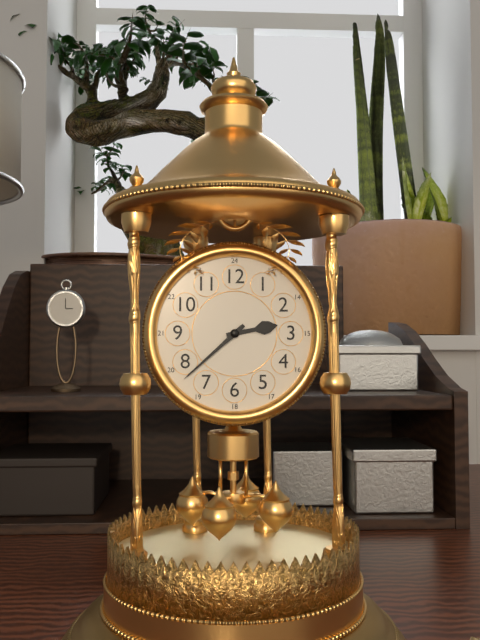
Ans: h=2 m=38
